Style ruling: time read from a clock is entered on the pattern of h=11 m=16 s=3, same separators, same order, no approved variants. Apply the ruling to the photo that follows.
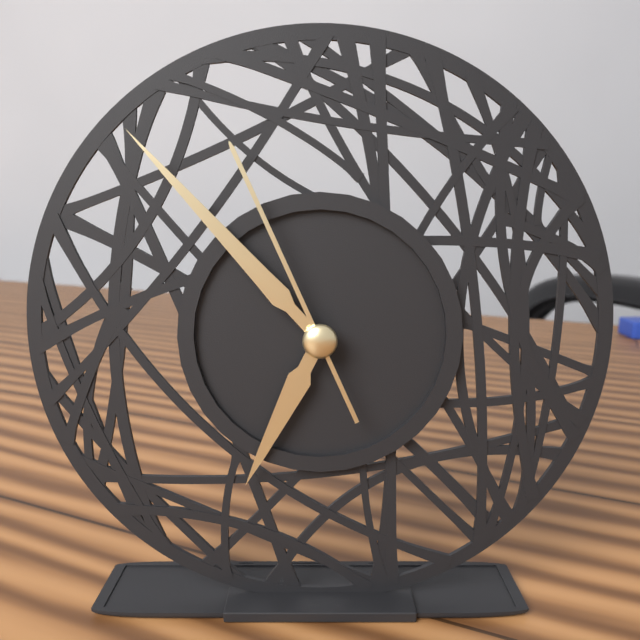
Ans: h=6 m=53 s=56
